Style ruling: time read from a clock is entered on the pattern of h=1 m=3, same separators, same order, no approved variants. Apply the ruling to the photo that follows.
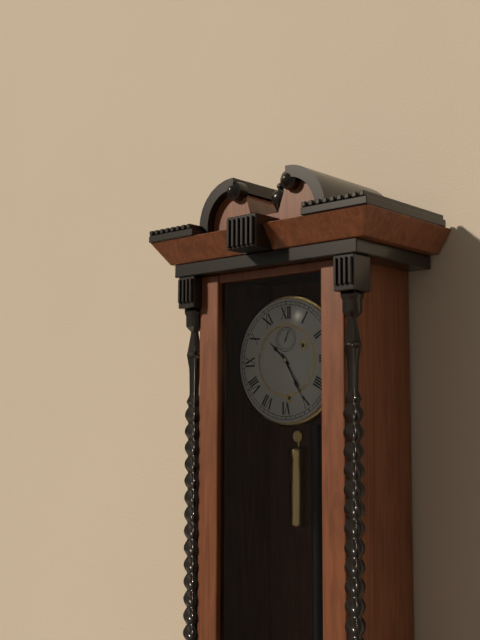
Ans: h=10 m=25
